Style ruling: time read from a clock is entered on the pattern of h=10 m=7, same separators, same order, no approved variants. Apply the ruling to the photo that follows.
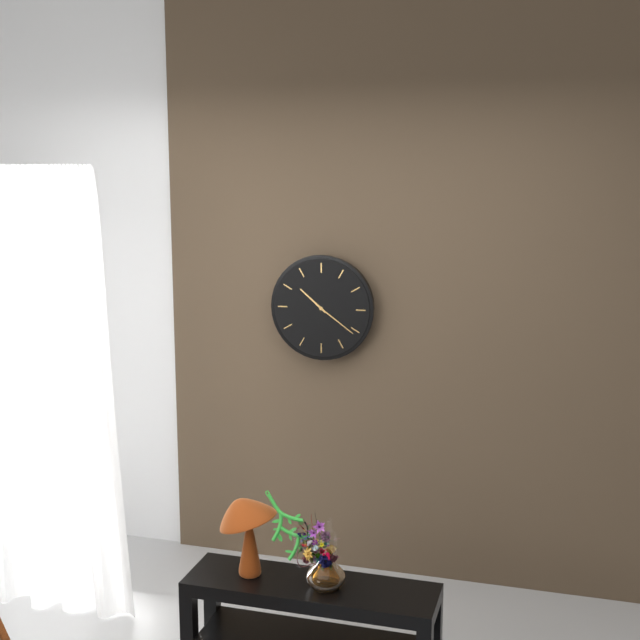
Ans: h=10 m=21
